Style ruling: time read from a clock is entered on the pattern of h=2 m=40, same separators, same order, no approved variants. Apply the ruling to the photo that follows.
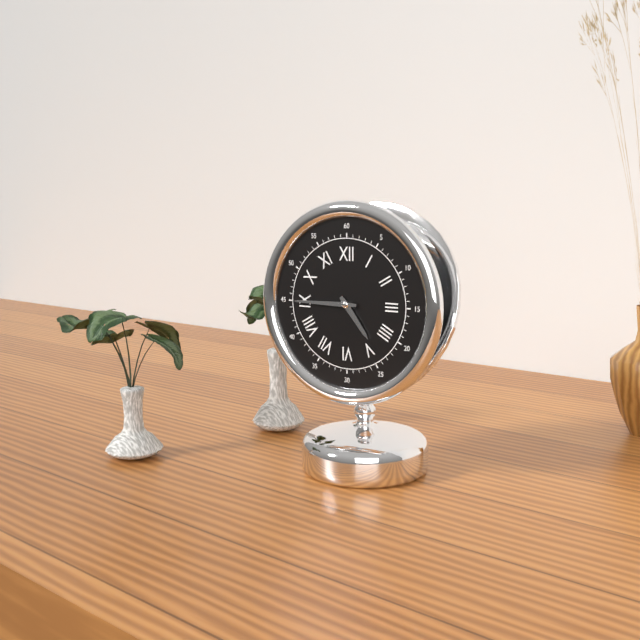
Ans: h=4 m=45
